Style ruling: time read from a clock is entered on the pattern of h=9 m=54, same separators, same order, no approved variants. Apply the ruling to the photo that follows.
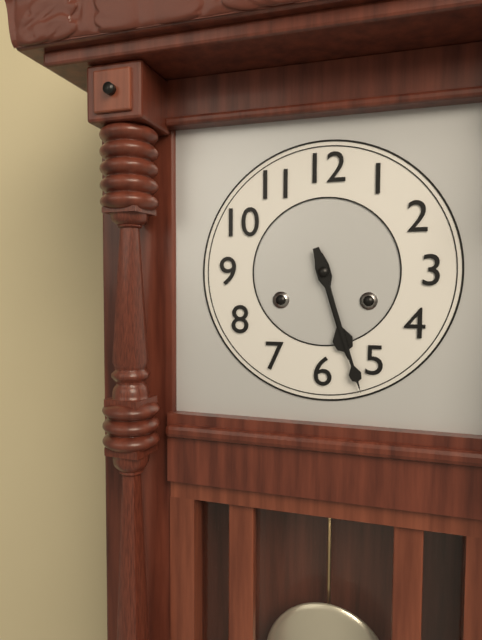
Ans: h=5 m=27
